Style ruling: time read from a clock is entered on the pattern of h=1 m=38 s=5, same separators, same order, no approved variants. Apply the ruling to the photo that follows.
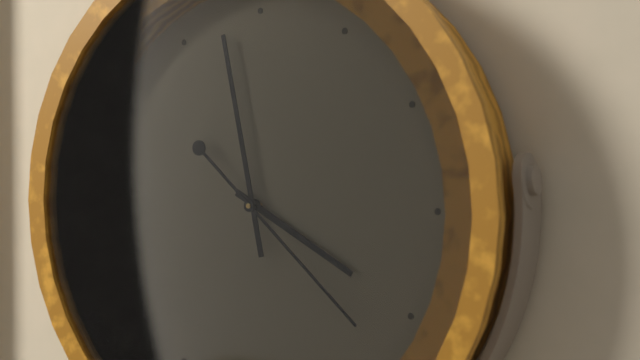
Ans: h=3 m=58 s=22
